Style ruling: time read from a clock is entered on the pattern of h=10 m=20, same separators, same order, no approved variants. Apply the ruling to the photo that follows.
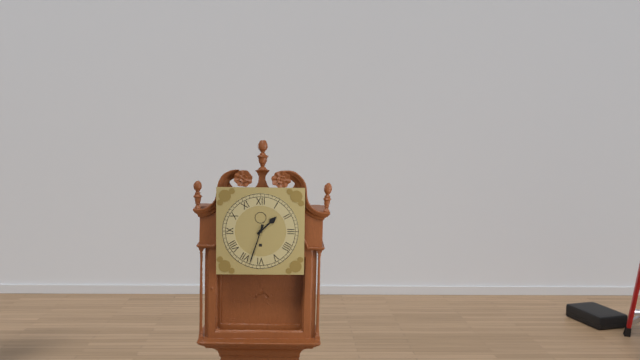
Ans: h=1 m=33
